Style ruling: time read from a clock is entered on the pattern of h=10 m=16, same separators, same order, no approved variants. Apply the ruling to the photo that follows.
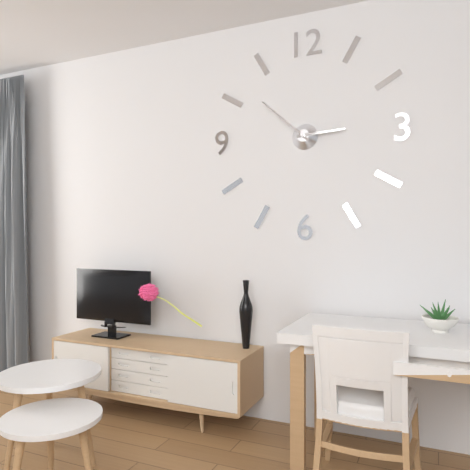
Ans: h=2 m=52
